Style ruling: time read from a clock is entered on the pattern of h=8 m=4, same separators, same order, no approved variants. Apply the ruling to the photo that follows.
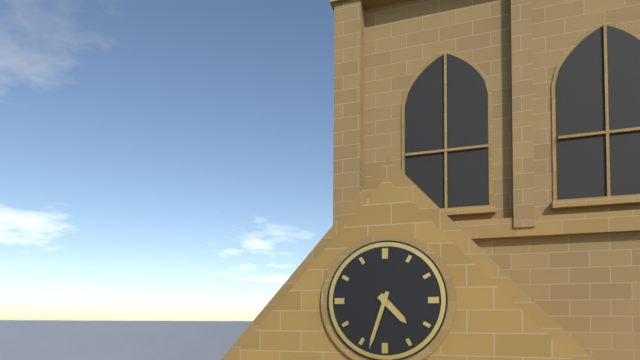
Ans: h=4 m=33
